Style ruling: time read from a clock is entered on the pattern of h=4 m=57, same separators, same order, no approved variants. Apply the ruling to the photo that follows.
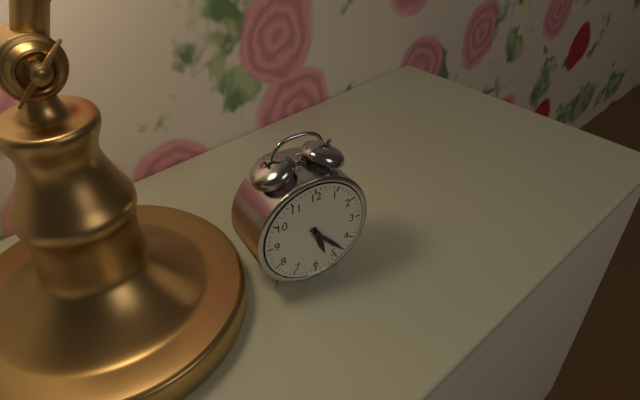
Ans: h=5 m=23
